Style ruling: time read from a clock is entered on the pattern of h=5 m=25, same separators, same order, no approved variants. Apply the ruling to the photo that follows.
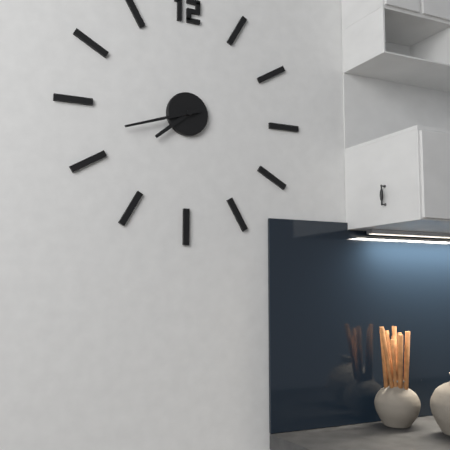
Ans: h=7 m=42
